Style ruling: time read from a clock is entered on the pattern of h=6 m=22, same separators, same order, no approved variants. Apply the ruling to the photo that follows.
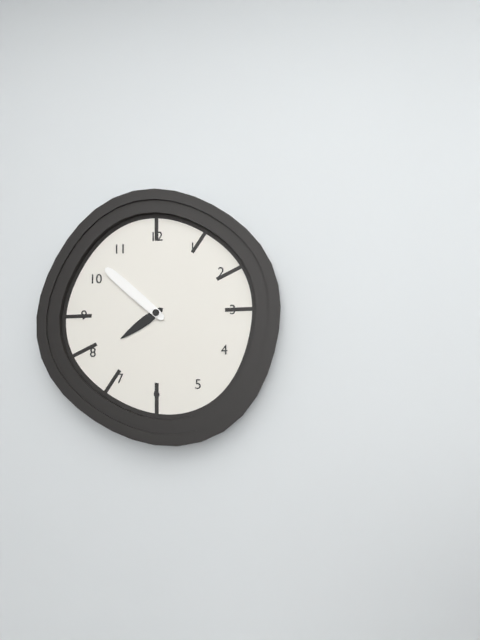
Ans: h=7 m=52
